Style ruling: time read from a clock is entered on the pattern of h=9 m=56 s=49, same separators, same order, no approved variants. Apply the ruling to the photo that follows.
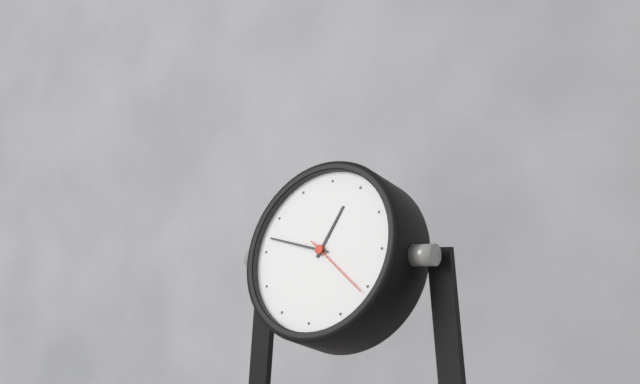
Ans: h=12 m=47 s=21
